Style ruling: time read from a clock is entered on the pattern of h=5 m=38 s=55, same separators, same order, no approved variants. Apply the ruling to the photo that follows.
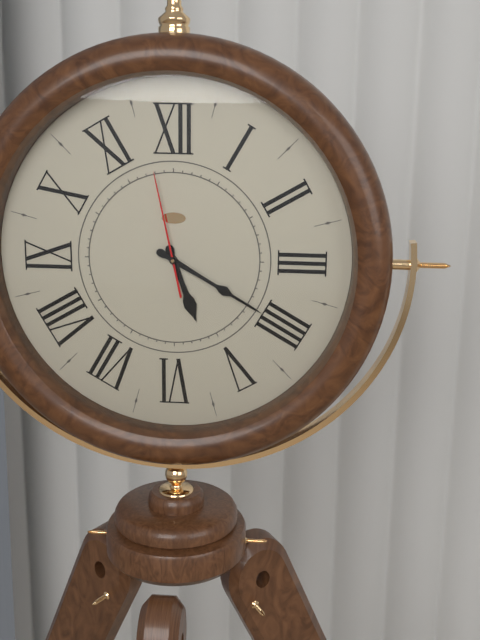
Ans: h=5 m=20 s=58
